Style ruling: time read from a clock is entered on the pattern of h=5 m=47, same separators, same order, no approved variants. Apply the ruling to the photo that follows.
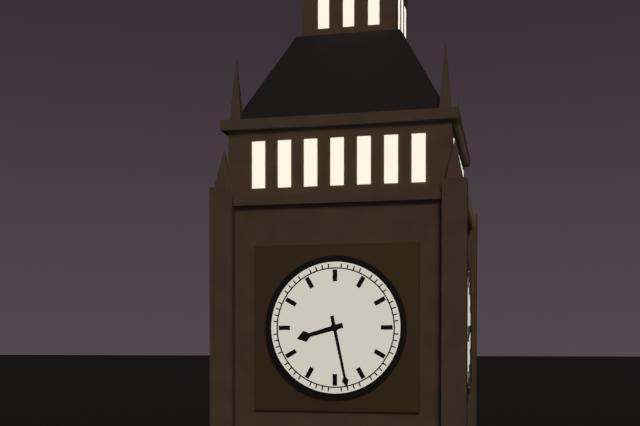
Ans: h=8 m=28
